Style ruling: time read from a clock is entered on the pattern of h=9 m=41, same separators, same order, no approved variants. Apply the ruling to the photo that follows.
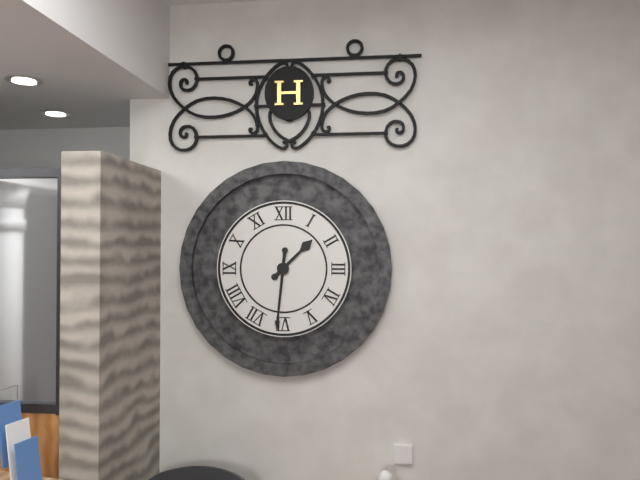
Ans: h=1 m=31
